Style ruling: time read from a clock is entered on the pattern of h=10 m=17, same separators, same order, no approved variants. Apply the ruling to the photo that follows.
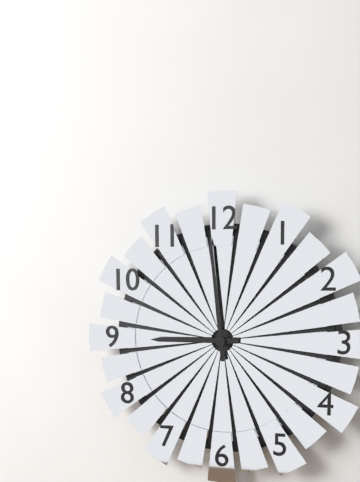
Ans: h=8 m=59
